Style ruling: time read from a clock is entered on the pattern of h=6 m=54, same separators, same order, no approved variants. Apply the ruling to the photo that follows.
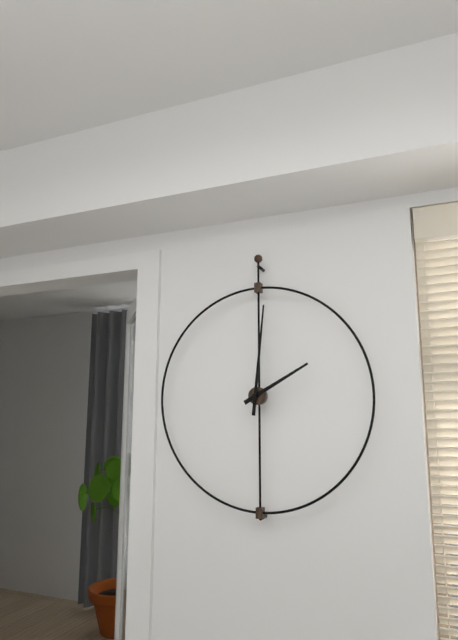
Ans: h=2 m=1
